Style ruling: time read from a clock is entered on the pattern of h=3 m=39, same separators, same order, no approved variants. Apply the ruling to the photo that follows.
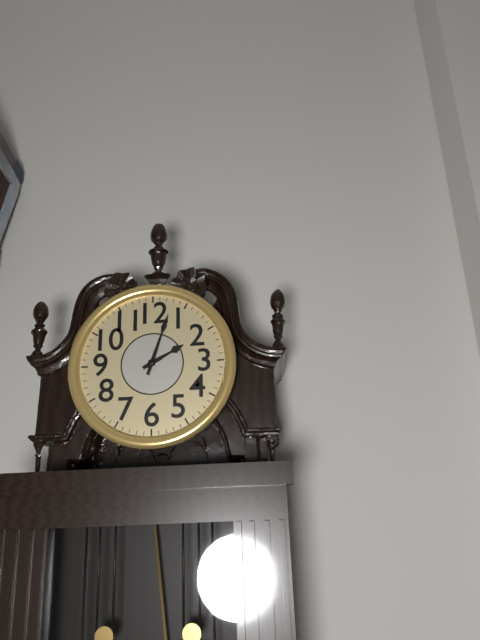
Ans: h=2 m=3
